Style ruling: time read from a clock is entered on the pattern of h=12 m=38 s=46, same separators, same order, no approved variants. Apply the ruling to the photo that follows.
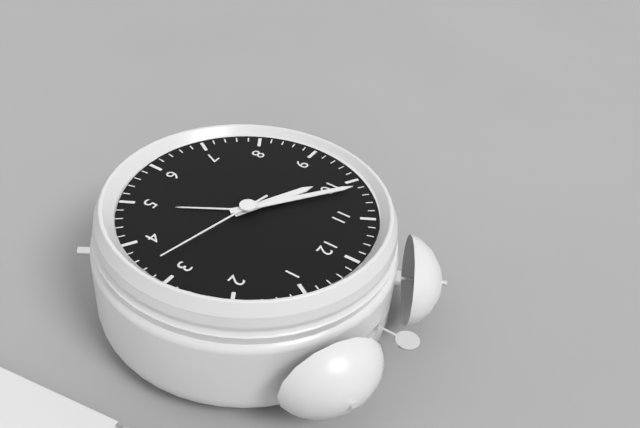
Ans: h=9 m=51 s=17
